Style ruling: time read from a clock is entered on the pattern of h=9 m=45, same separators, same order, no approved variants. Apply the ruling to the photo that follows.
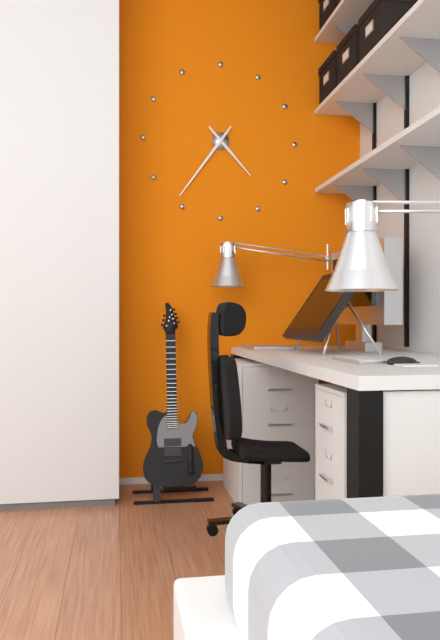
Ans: h=4 m=36
